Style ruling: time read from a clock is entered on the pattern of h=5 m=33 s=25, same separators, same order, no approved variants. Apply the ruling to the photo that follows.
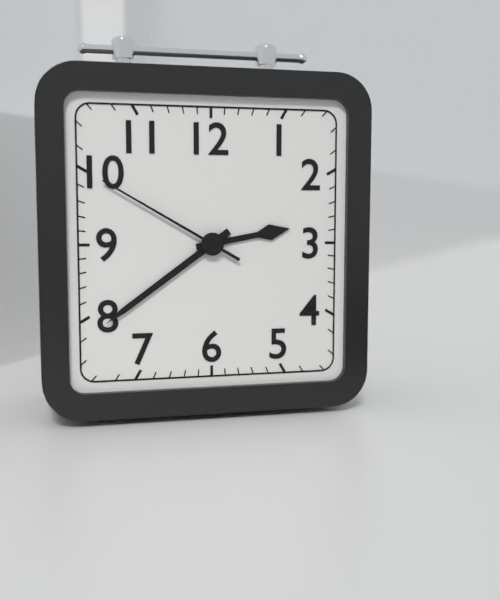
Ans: h=2 m=39 s=50
